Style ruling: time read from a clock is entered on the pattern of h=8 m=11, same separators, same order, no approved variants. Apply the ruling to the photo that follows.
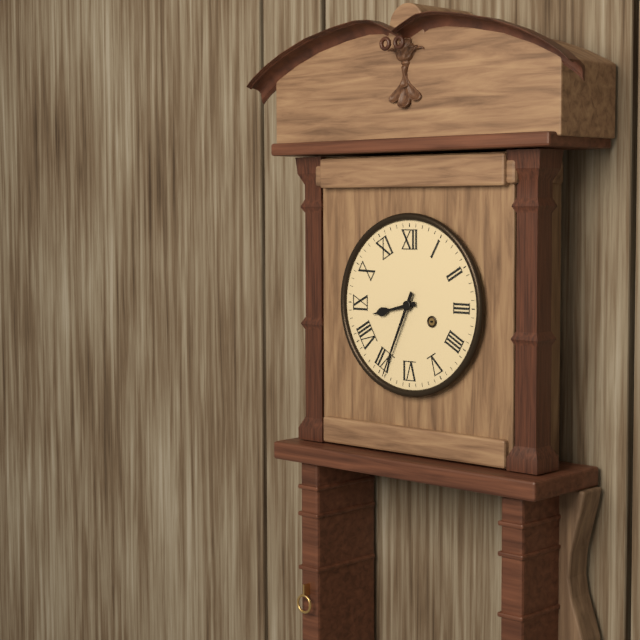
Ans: h=8 m=34
